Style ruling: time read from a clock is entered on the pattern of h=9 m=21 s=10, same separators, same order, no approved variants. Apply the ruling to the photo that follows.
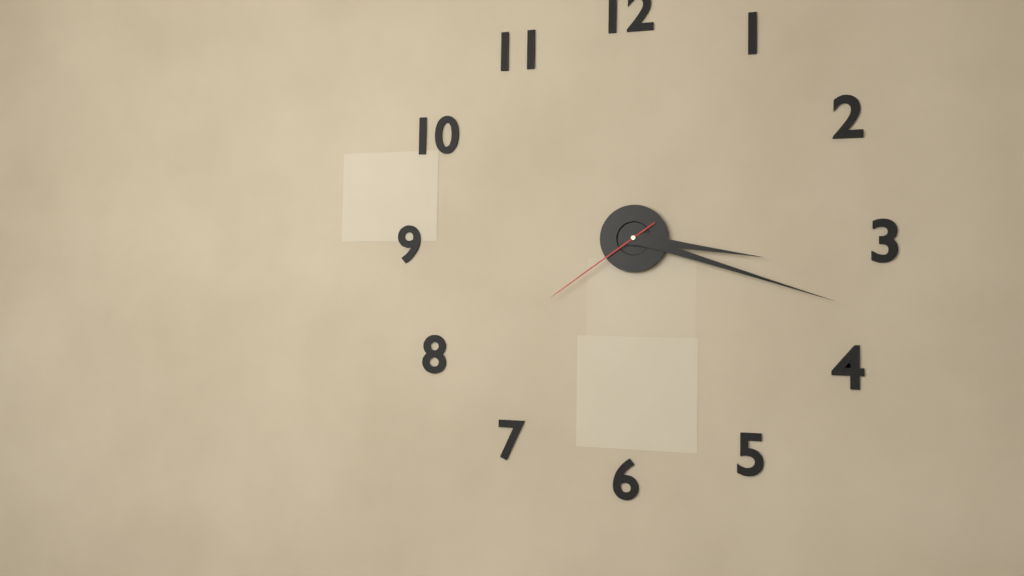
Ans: h=3 m=18 s=39
